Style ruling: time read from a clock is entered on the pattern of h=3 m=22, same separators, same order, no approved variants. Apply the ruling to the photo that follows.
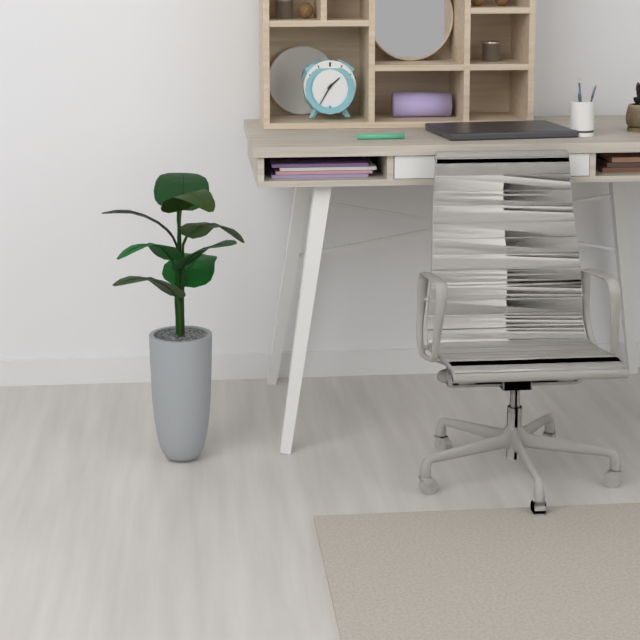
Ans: h=1 m=35
